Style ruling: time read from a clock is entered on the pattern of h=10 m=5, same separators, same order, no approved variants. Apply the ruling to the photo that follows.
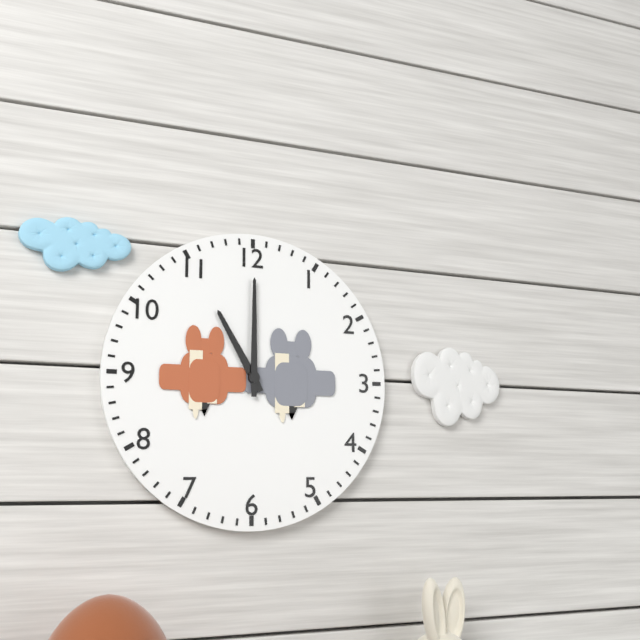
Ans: h=11 m=0
